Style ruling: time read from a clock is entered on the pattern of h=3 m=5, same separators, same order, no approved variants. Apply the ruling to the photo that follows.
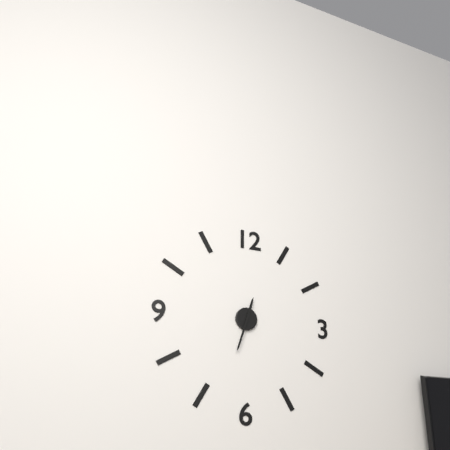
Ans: h=12 m=33
